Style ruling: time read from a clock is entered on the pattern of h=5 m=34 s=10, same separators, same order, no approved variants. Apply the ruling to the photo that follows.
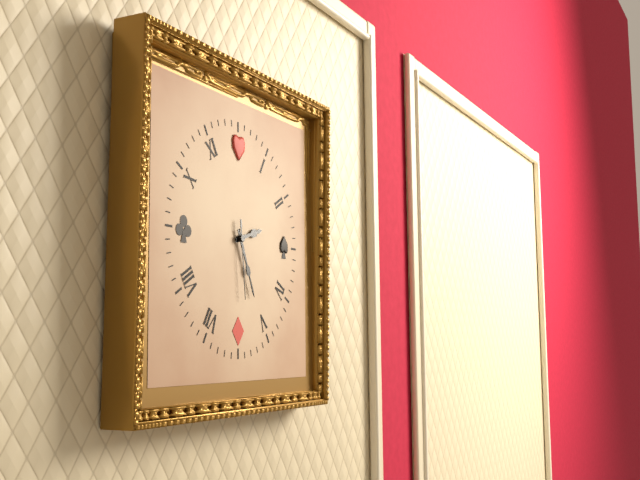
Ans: h=2 m=26 s=29
